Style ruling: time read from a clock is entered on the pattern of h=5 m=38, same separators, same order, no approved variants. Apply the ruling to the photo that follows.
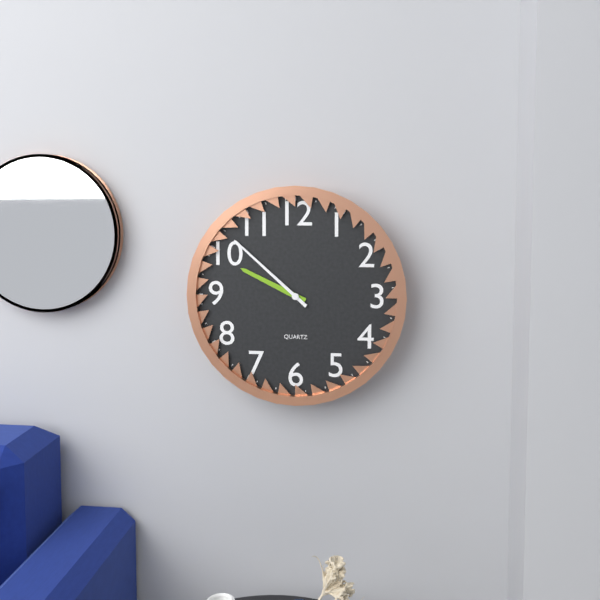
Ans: h=9 m=52
